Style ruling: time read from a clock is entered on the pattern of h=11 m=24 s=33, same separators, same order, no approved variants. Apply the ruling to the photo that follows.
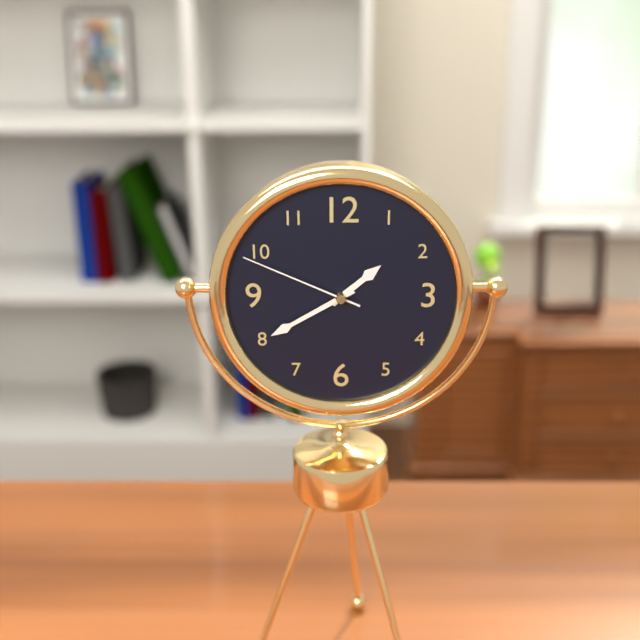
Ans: h=1 m=40 s=49
